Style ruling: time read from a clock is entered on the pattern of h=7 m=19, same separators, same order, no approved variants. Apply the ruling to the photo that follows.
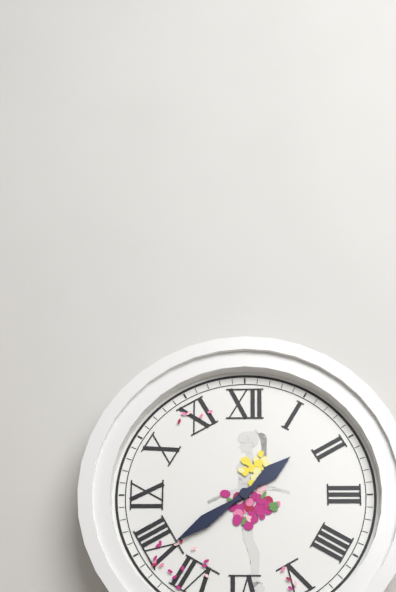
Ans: h=1 m=39
